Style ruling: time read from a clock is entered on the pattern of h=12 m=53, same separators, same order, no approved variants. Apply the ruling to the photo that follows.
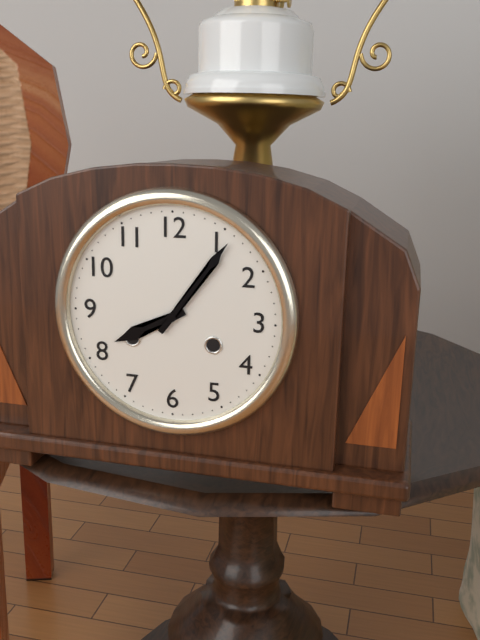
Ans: h=8 m=6
